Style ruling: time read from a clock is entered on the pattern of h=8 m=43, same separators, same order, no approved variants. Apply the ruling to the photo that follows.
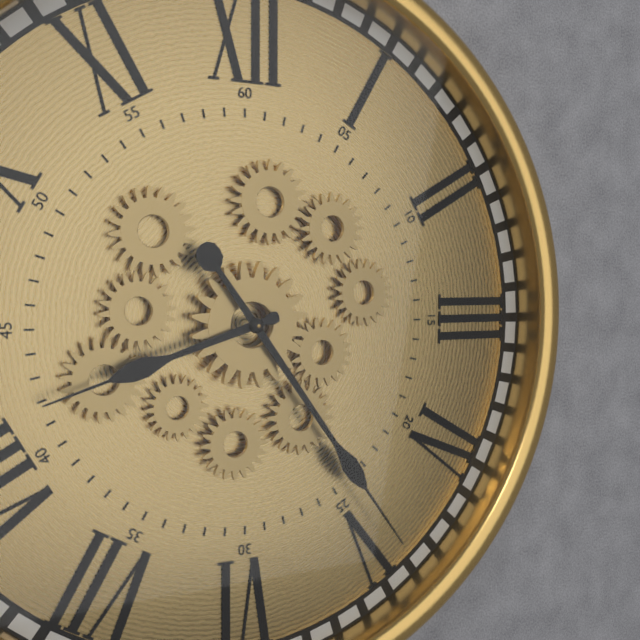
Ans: h=8 m=24
